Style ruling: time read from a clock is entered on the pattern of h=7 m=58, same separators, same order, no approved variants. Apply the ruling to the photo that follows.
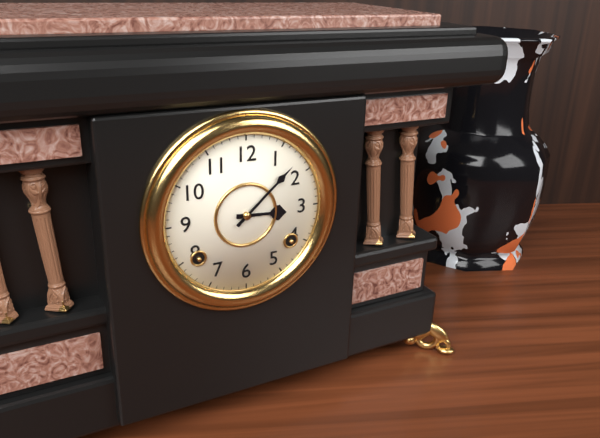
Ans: h=3 m=8
